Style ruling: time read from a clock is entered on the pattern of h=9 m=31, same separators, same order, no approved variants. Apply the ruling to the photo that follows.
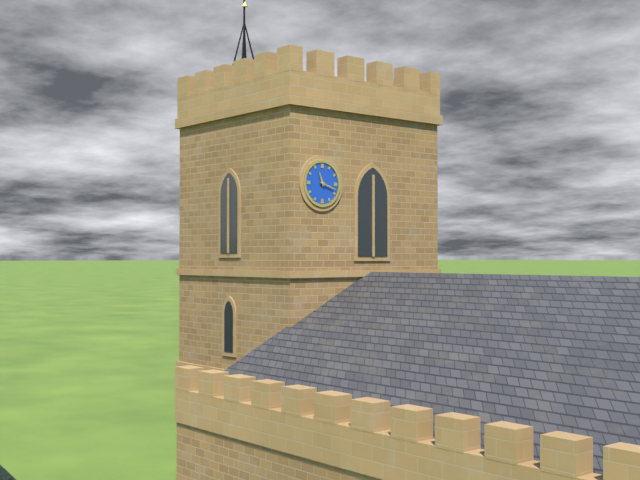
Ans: h=11 m=18
